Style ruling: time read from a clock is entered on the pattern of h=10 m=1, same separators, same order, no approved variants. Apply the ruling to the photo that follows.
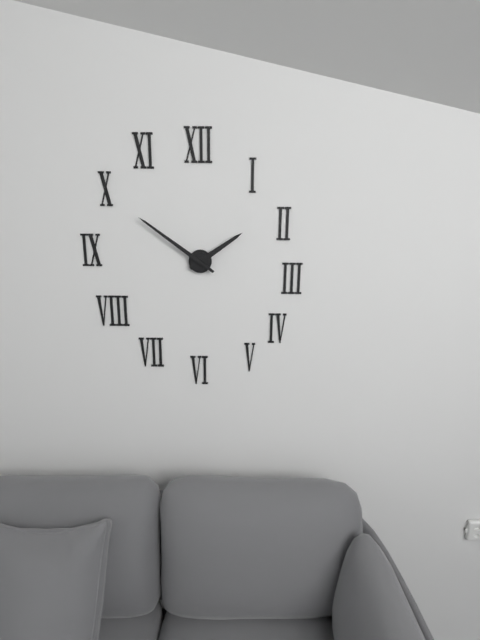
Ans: h=1 m=51
